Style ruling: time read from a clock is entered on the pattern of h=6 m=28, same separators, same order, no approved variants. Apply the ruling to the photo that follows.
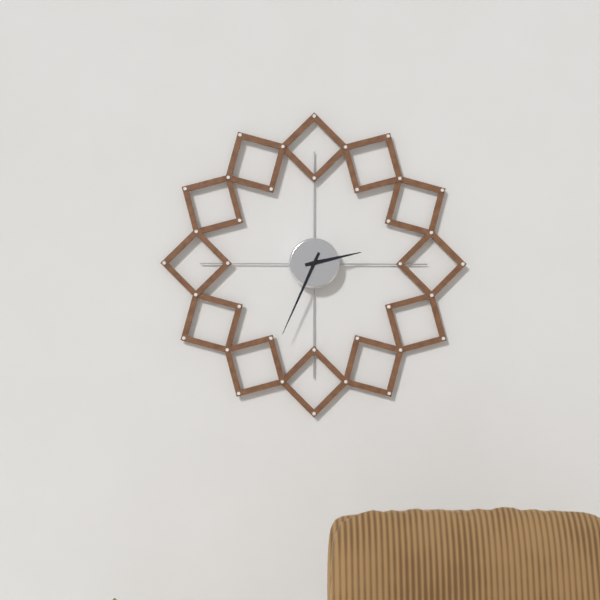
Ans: h=2 m=34
